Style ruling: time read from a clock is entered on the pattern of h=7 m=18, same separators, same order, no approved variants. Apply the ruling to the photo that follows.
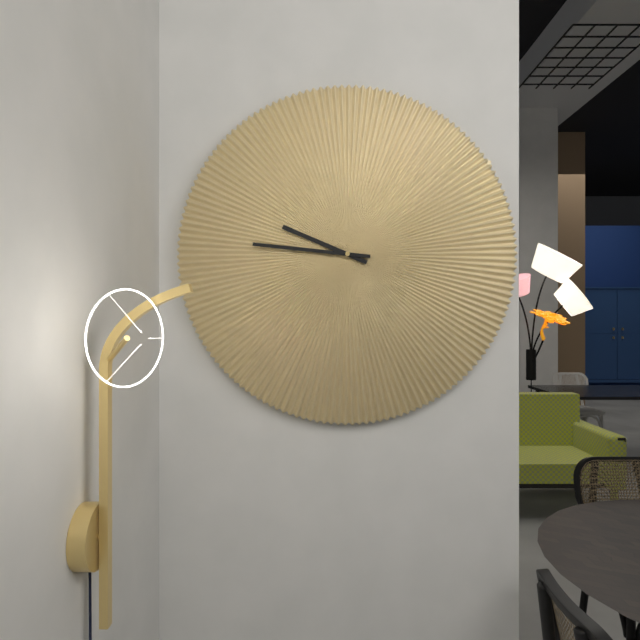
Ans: h=9 m=46
